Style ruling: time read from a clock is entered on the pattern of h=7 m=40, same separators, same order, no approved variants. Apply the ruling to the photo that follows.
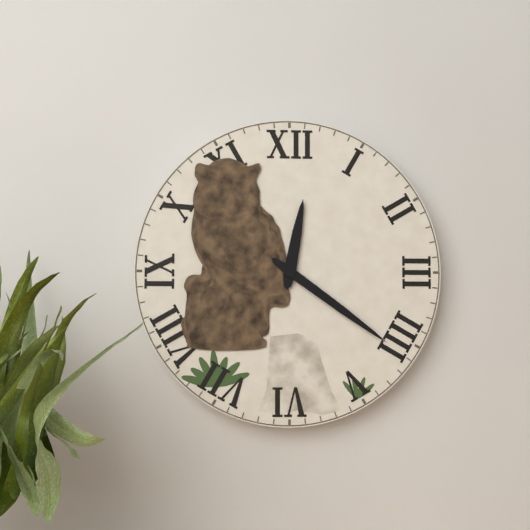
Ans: h=12 m=21
